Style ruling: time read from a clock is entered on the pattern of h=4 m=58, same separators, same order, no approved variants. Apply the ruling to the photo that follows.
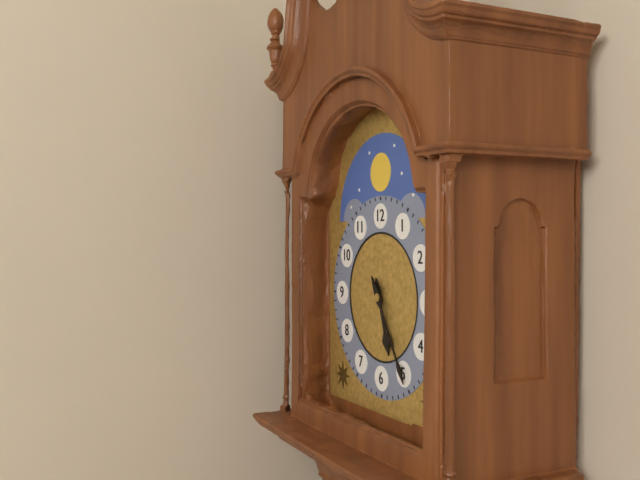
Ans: h=5 m=25
